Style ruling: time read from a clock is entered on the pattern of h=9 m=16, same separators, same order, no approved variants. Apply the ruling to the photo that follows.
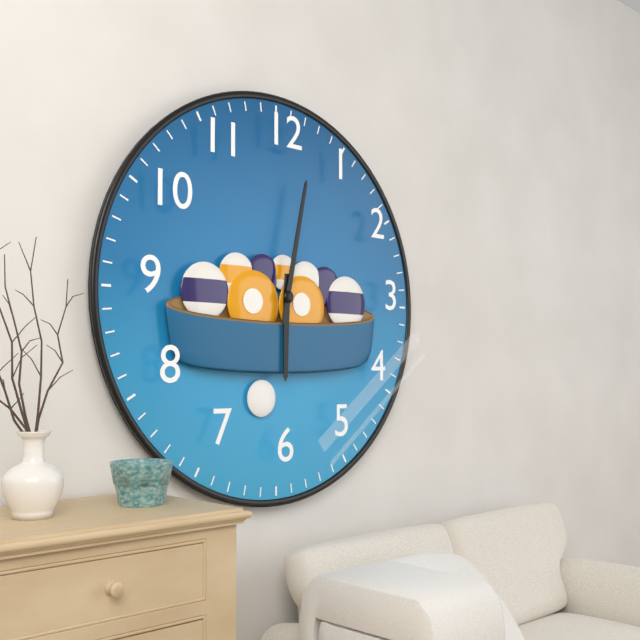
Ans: h=6 m=2
